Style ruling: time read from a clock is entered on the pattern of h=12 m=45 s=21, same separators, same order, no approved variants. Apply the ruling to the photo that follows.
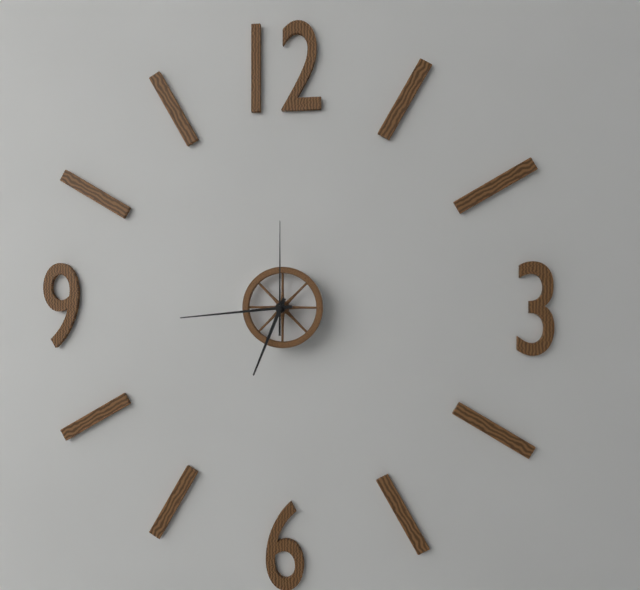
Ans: h=6 m=44 s=0
